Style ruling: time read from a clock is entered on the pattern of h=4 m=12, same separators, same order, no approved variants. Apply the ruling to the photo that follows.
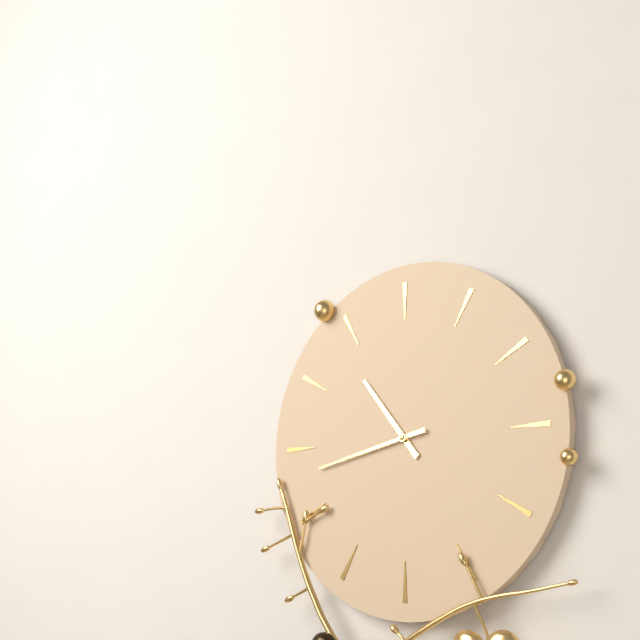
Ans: h=10 m=43
